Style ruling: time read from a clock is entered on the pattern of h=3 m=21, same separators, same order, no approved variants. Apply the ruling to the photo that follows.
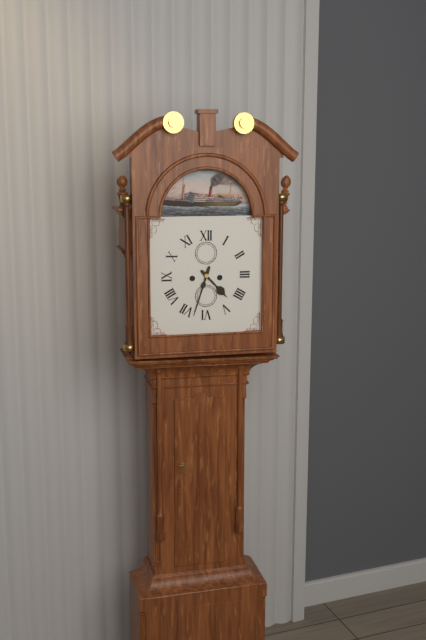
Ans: h=4 m=33
